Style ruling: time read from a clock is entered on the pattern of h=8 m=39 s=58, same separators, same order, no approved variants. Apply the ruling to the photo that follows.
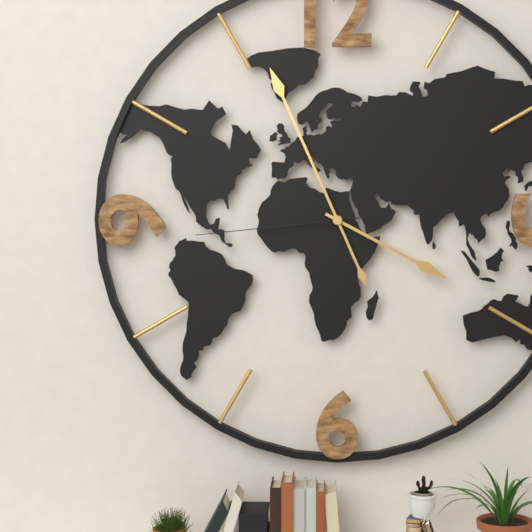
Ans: h=3 m=56 s=44
